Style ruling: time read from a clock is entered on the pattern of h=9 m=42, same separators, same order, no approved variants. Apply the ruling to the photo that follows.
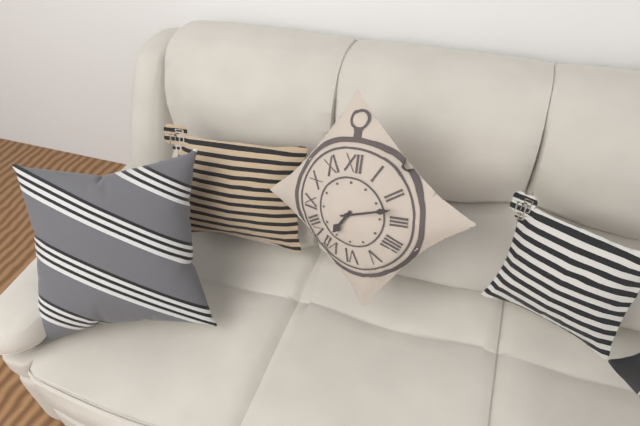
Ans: h=7 m=12
